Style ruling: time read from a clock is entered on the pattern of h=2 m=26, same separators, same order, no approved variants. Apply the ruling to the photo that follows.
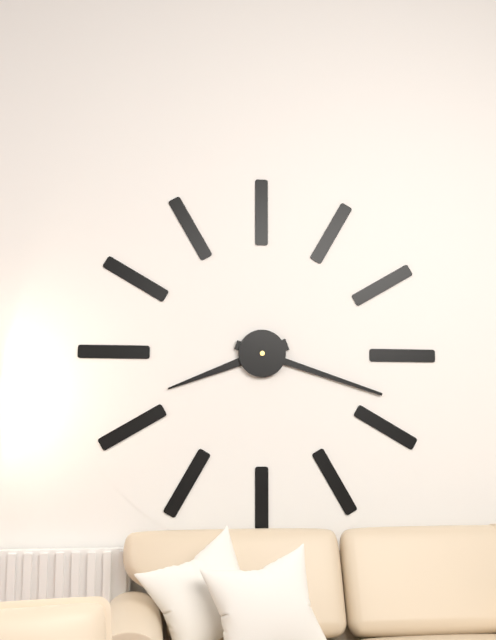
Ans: h=8 m=18
